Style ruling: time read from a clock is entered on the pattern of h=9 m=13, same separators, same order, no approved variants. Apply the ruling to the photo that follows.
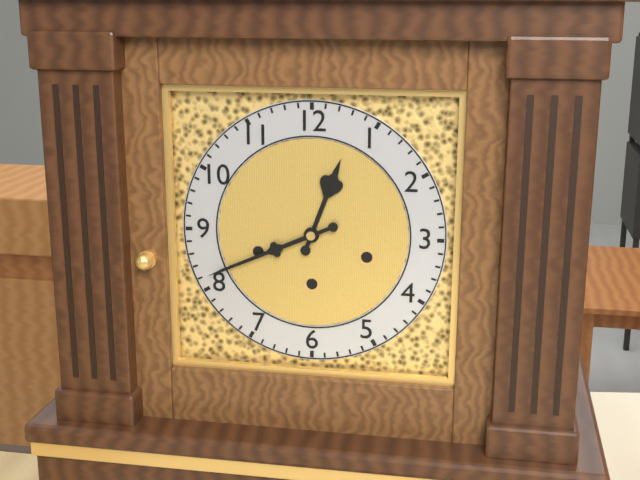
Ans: h=12 m=41
